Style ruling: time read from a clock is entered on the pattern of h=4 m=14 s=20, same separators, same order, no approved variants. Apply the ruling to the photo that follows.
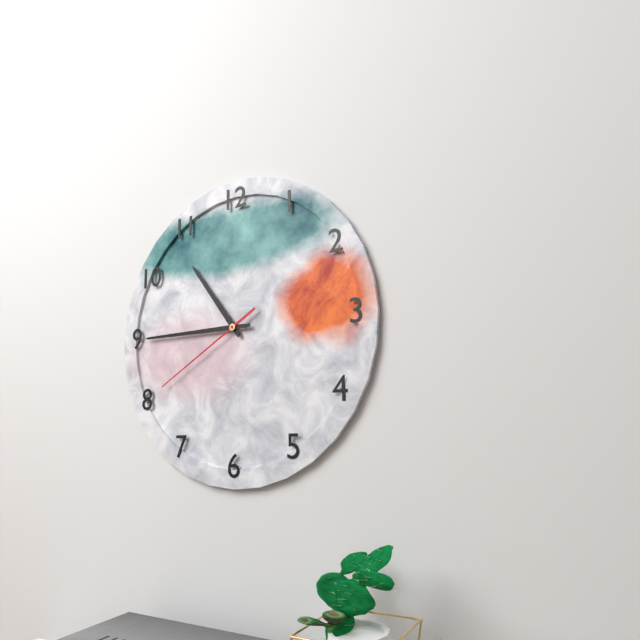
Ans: h=10 m=45 s=40
